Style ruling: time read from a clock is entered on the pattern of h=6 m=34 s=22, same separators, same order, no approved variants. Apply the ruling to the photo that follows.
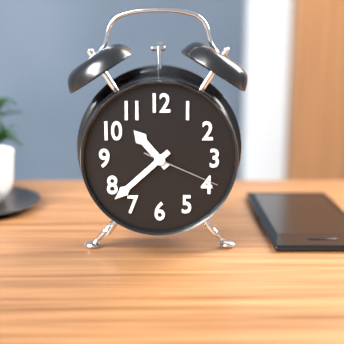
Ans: h=10 m=38 s=19
